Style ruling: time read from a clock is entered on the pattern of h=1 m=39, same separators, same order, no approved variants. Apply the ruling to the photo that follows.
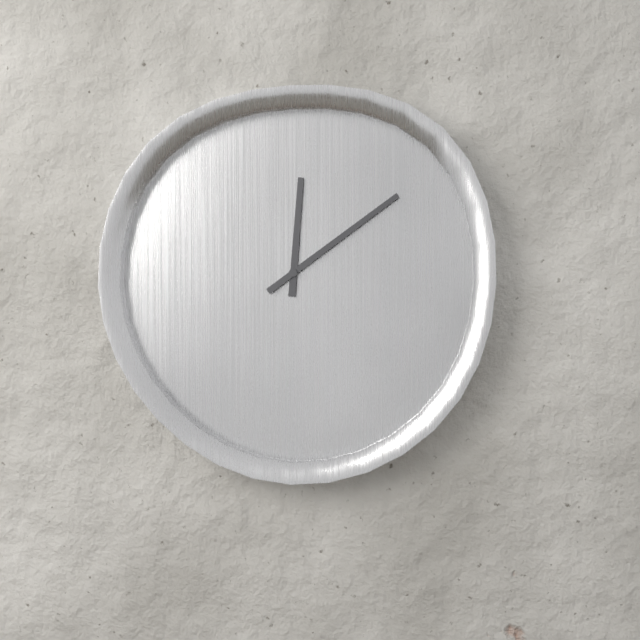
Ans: h=12 m=9
